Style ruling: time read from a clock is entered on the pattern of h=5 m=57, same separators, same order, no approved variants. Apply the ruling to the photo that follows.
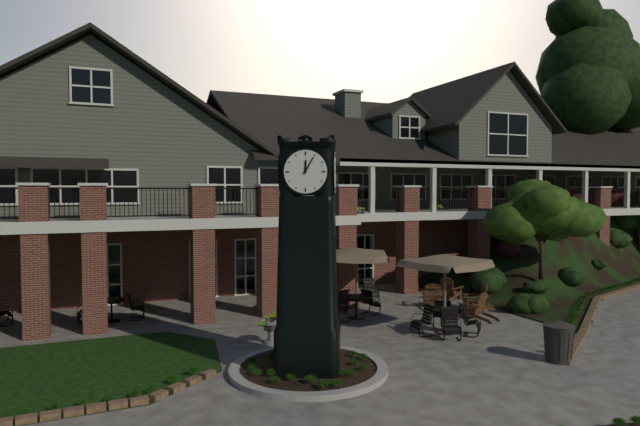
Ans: h=12 m=5
